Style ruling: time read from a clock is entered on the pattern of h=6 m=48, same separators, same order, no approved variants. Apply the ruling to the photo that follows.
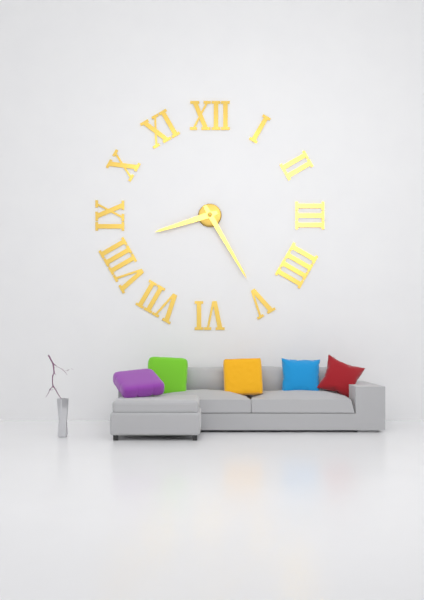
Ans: h=8 m=25
